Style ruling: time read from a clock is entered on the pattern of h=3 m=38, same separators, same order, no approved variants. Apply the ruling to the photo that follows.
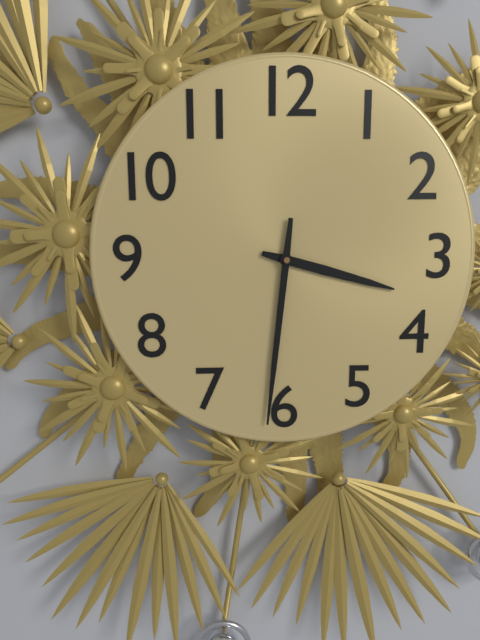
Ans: h=3 m=31
